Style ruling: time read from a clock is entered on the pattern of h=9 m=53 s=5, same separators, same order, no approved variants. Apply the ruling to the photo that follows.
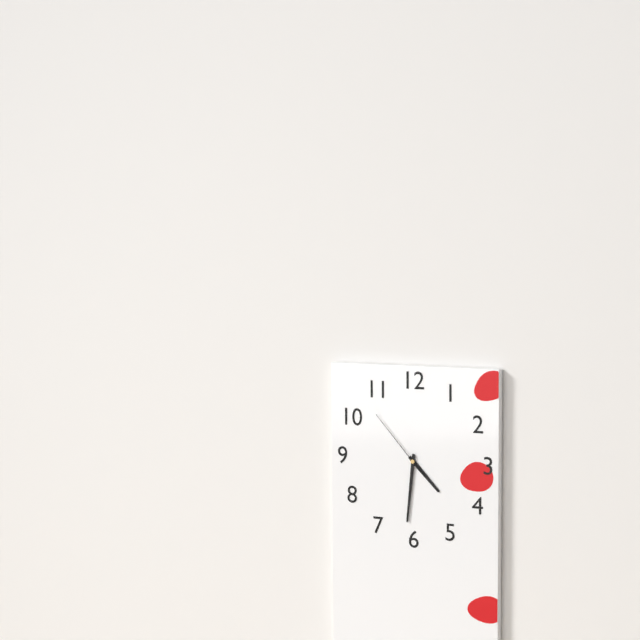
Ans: h=4 m=31 s=53
